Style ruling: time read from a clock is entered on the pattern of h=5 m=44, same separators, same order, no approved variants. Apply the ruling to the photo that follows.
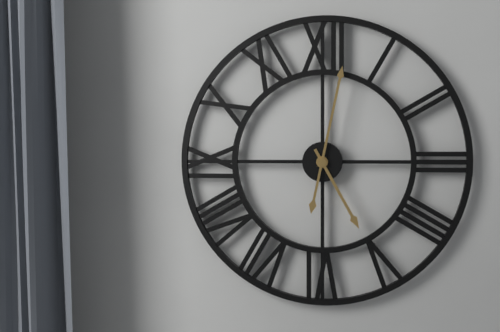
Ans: h=5 m=2
